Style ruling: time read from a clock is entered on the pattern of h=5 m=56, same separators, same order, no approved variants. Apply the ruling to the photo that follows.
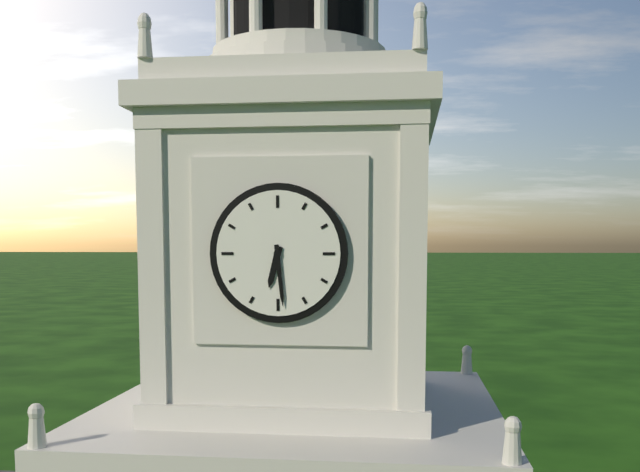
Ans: h=6 m=29
